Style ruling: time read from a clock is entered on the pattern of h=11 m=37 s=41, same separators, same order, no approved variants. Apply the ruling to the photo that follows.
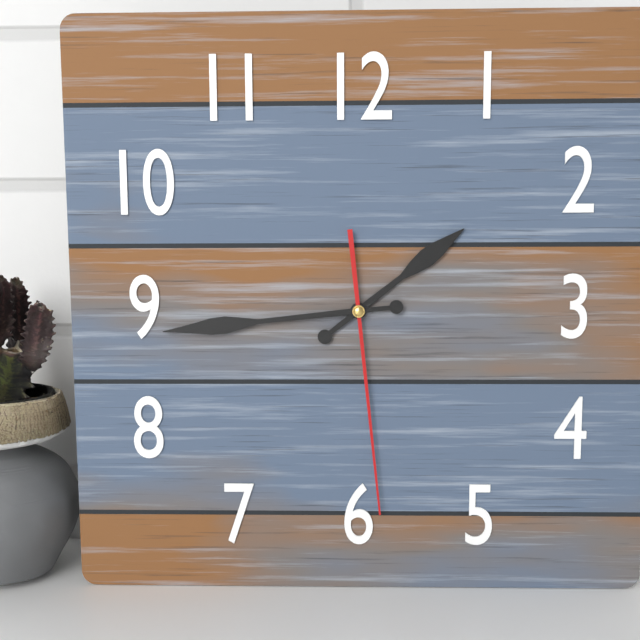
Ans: h=1 m=44 s=29
